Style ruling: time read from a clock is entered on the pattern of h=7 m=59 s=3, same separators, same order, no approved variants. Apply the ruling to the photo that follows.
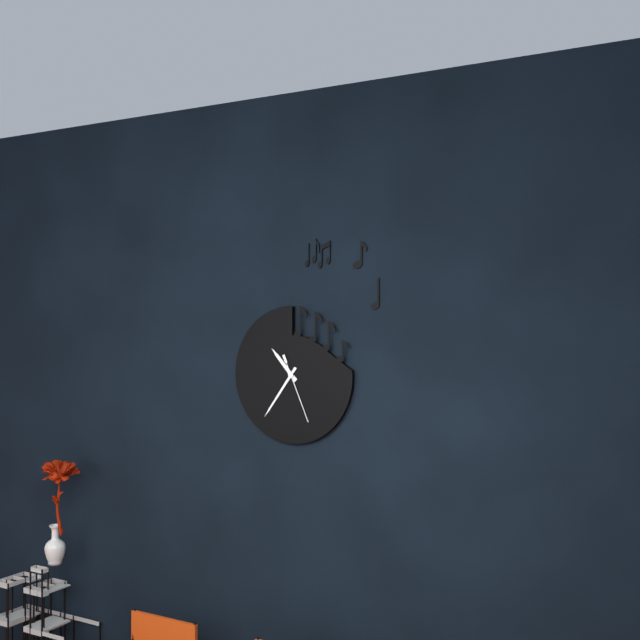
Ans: h=10 m=36 s=26
